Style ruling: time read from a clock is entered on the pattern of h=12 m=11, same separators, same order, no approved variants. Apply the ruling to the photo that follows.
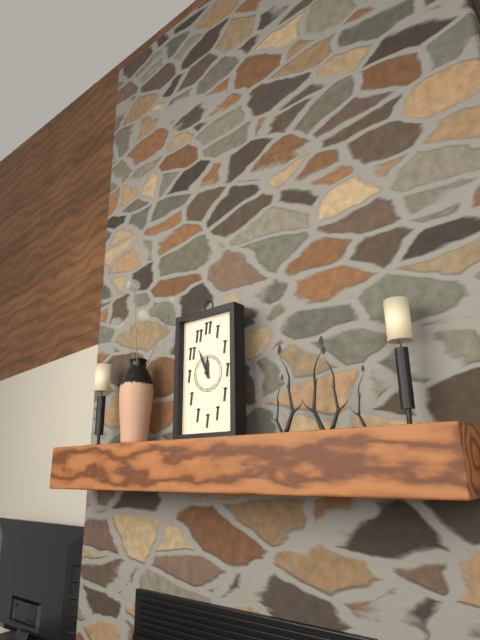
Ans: h=11 m=56
